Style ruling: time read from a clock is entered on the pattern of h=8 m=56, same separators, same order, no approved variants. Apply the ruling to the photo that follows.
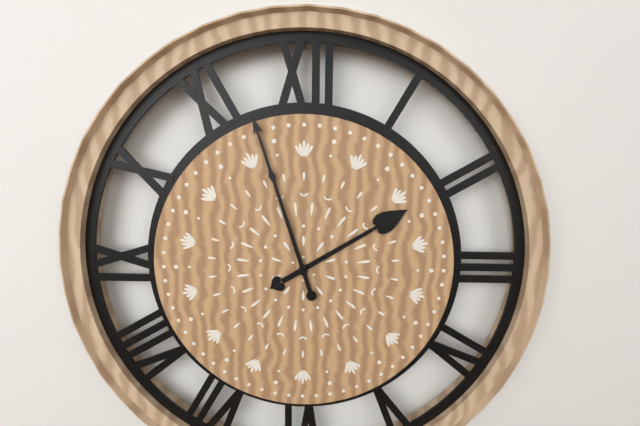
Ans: h=1 m=57
